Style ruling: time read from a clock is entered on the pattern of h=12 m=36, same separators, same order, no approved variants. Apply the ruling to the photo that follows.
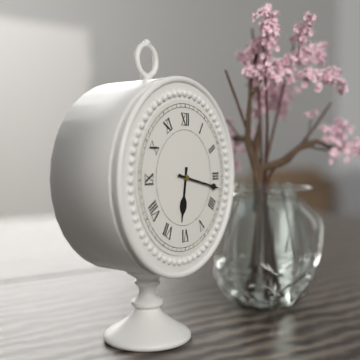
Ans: h=6 m=17
